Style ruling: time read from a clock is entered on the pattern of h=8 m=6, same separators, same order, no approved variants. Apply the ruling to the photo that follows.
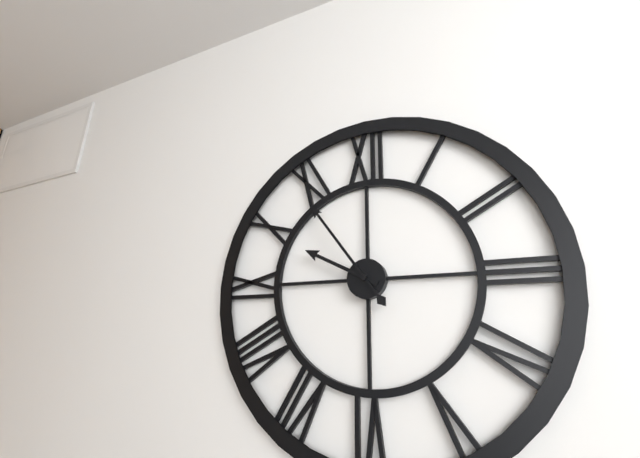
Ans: h=9 m=54
